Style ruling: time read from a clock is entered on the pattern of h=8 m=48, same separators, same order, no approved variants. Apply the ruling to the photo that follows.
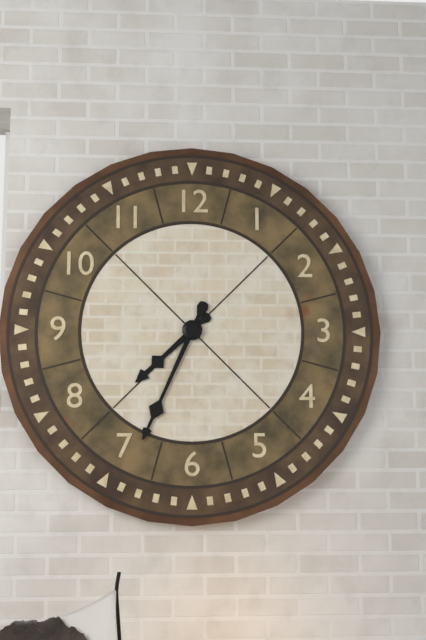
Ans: h=7 m=34
